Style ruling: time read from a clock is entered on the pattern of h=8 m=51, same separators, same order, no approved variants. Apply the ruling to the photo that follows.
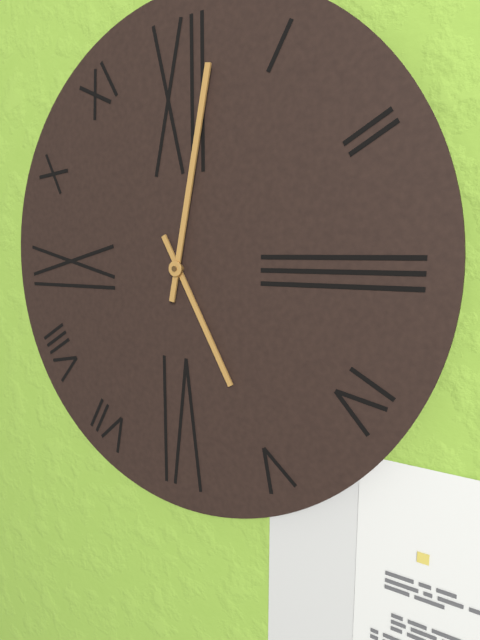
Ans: h=5 m=2
